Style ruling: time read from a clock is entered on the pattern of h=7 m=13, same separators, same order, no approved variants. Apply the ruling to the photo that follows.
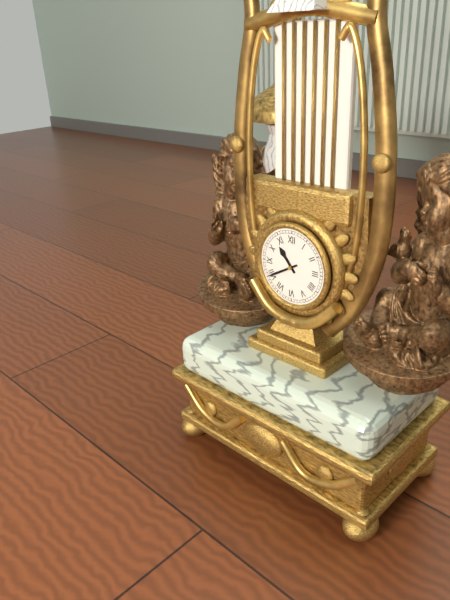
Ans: h=10 m=40
